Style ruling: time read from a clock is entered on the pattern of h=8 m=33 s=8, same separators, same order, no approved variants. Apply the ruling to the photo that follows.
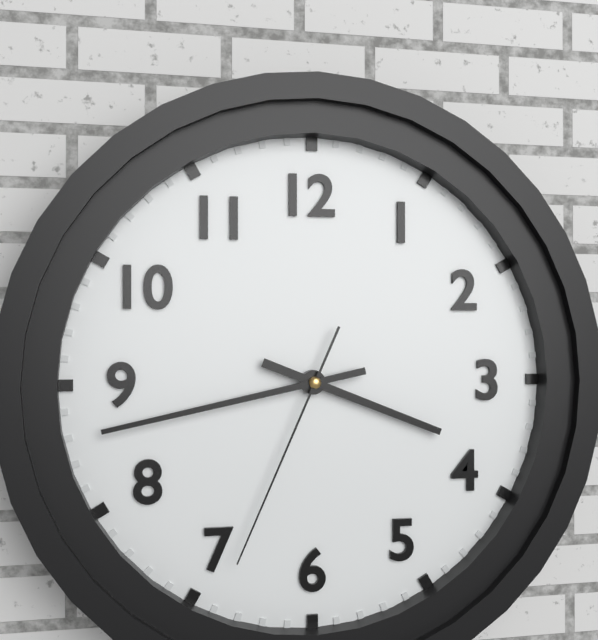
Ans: h=3 m=43 s=34
